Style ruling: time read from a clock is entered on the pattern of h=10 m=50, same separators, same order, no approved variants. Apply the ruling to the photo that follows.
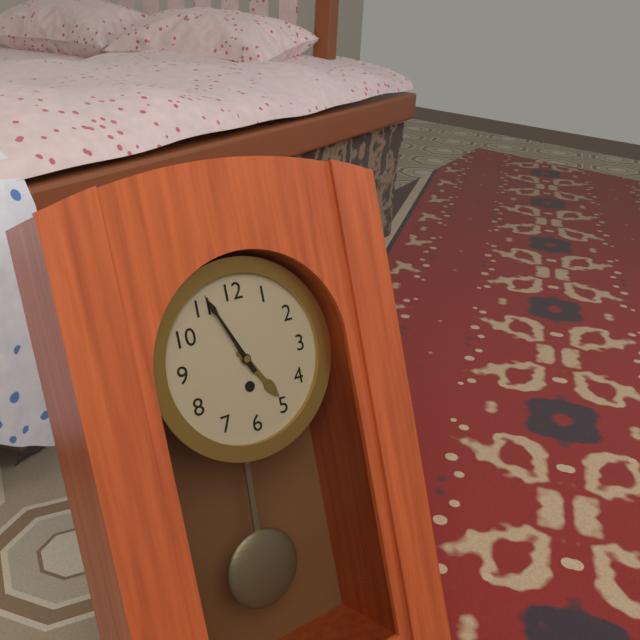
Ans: h=4 m=56
